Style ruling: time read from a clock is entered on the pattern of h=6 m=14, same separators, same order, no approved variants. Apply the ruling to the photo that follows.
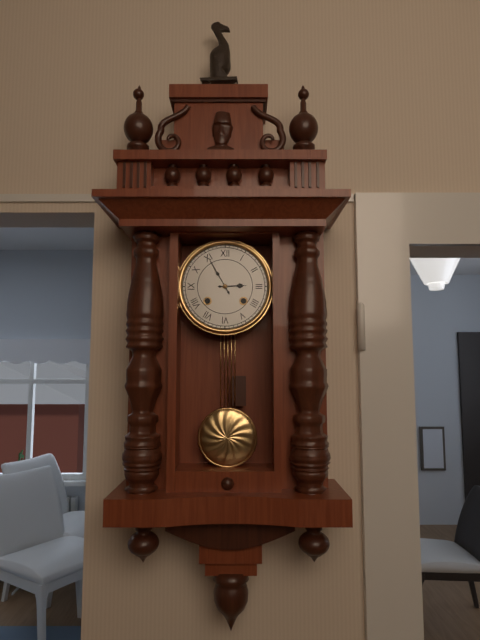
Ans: h=2 m=55
